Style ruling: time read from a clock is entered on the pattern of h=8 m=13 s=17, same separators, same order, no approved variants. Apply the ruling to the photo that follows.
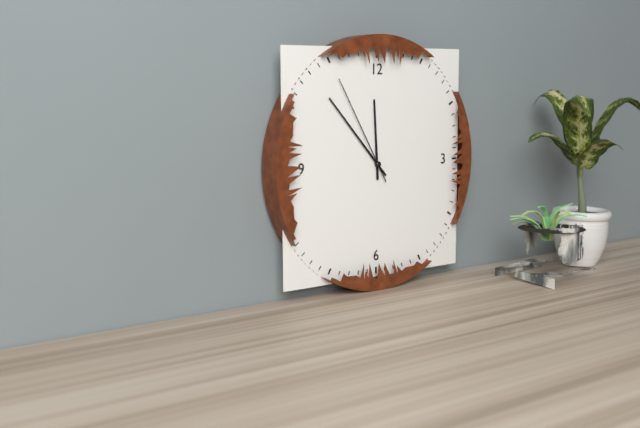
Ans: h=11 m=53 s=55
